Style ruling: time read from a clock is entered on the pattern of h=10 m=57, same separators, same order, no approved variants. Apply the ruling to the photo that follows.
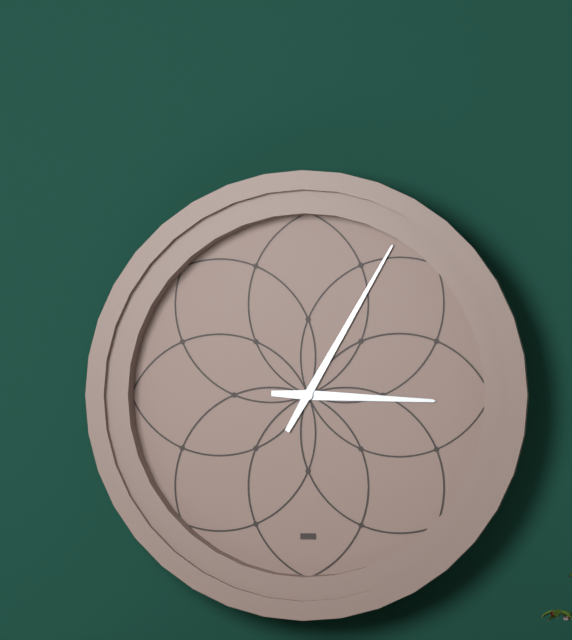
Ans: h=3 m=5
